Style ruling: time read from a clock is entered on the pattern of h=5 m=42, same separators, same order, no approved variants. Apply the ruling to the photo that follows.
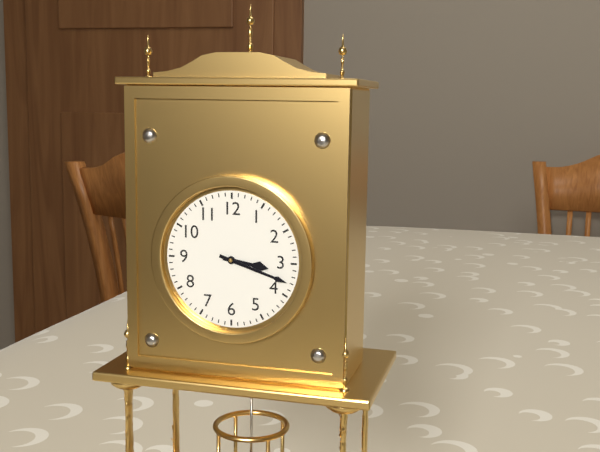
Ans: h=3 m=18
